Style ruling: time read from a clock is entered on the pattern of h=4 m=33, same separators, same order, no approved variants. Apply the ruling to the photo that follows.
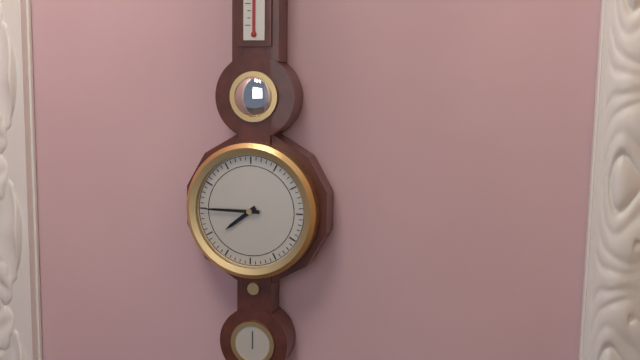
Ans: h=7 m=45
